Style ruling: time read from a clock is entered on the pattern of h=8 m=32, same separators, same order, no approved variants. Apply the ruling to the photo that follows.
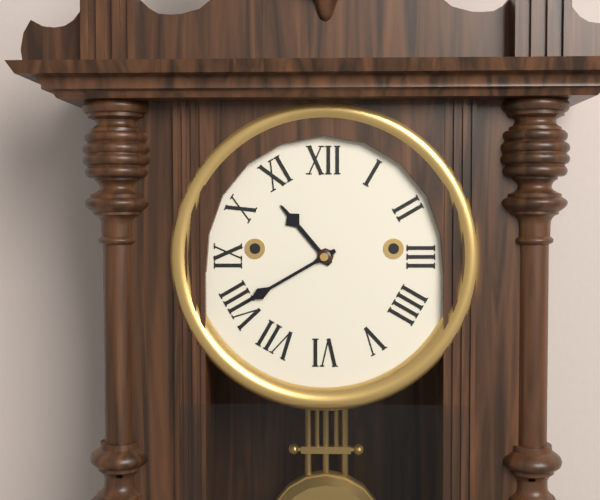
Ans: h=10 m=40
